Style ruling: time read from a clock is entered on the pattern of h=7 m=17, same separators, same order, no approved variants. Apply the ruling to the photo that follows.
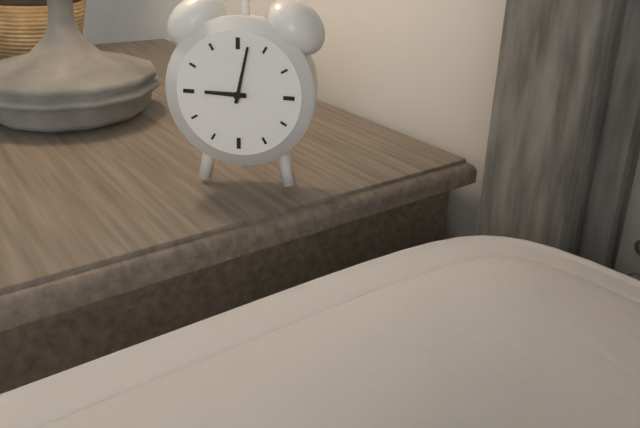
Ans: h=9 m=2
